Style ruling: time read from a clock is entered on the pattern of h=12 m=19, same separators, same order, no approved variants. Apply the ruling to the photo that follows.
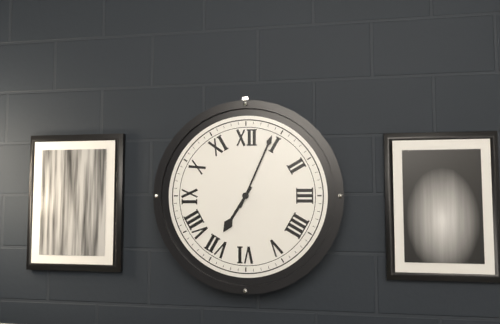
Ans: h=7 m=4
